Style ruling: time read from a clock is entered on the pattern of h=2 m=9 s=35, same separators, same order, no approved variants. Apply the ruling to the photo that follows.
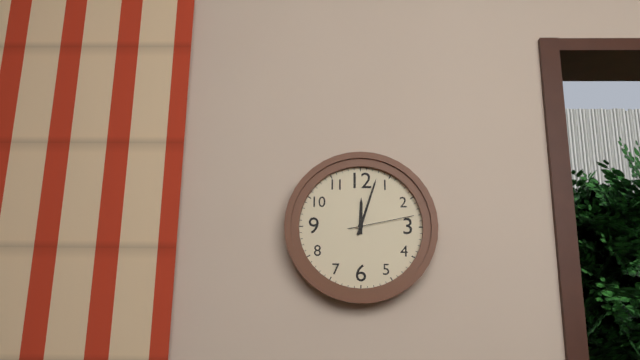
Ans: h=12 m=3 s=13
